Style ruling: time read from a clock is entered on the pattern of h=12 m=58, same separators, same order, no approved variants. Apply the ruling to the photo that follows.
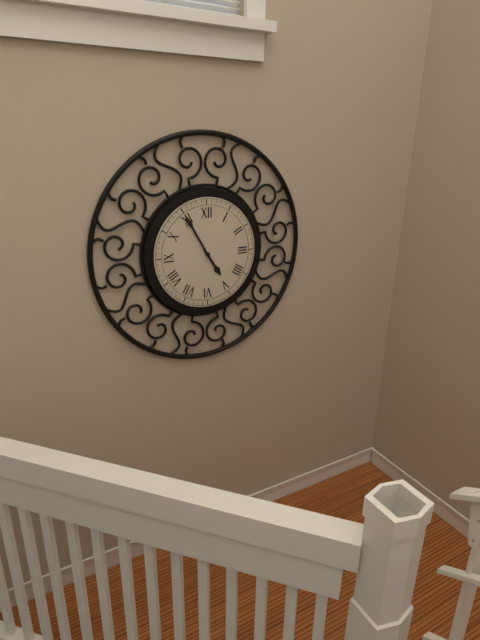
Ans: h=4 m=55
